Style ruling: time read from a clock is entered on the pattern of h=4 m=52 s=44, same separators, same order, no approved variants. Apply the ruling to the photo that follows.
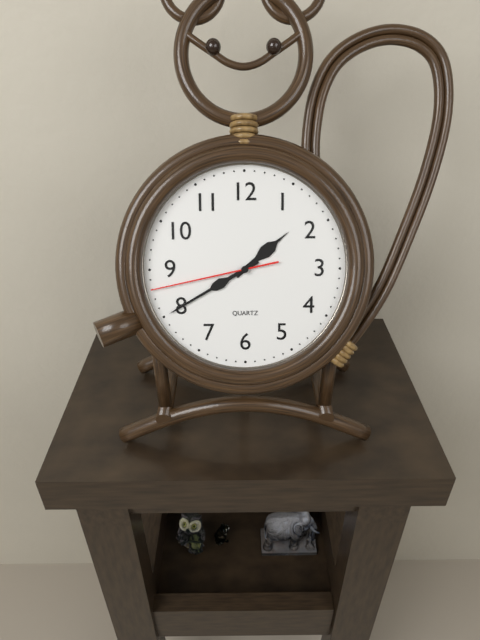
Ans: h=1 m=40 s=43
